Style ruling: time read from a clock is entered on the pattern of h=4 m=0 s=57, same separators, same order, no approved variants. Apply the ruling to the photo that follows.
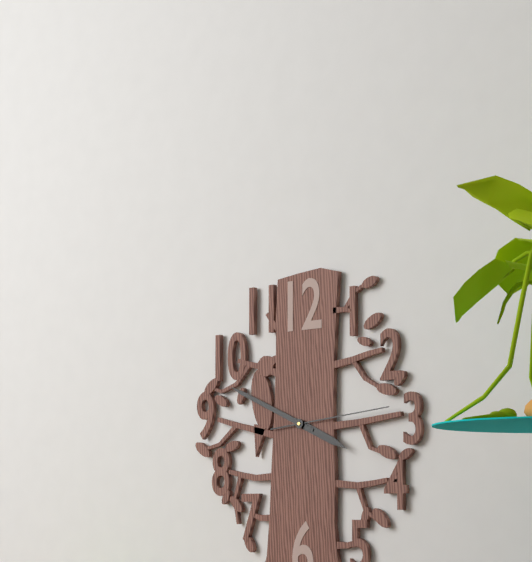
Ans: h=3 m=49 s=14
